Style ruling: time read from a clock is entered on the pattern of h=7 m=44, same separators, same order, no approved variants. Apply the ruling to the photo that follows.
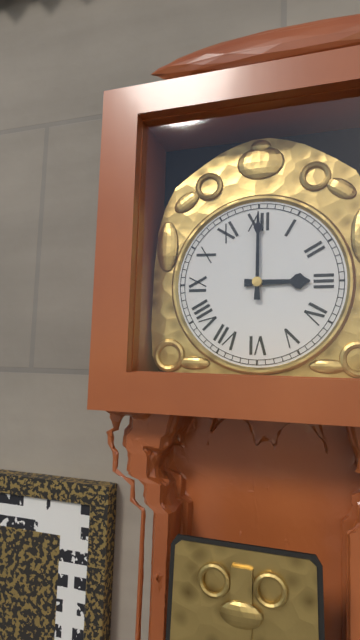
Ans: h=3 m=0
